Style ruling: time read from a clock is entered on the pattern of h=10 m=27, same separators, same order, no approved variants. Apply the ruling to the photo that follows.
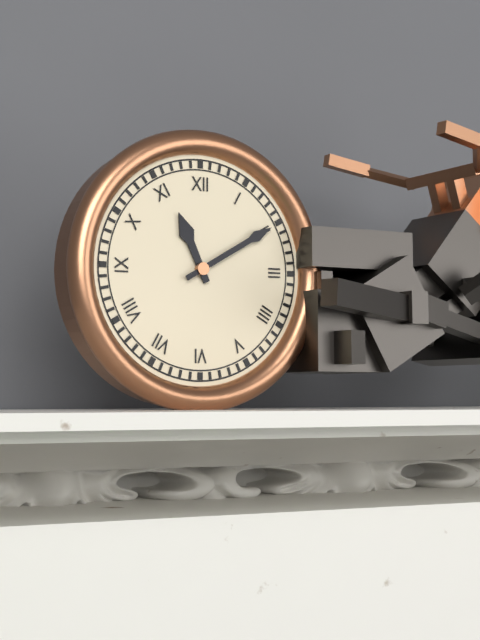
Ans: h=11 m=10
